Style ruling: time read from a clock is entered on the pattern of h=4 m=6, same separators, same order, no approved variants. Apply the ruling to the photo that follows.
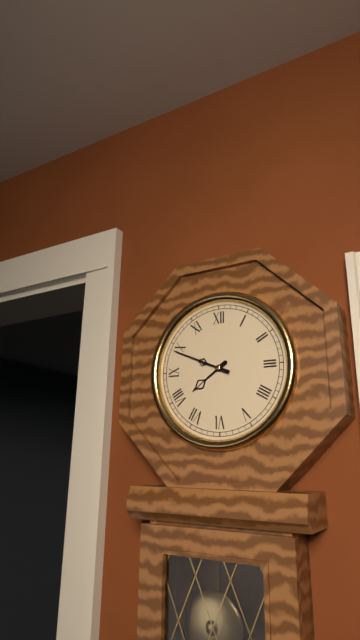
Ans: h=7 m=49
